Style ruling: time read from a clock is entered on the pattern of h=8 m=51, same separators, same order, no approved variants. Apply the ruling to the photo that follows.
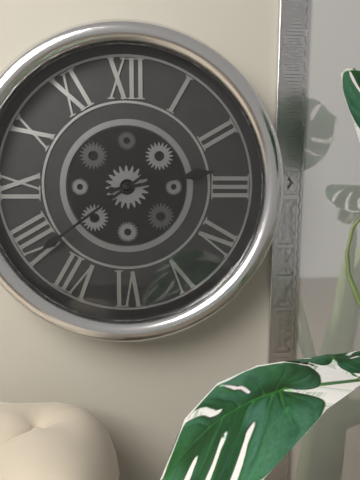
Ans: h=2 m=39
